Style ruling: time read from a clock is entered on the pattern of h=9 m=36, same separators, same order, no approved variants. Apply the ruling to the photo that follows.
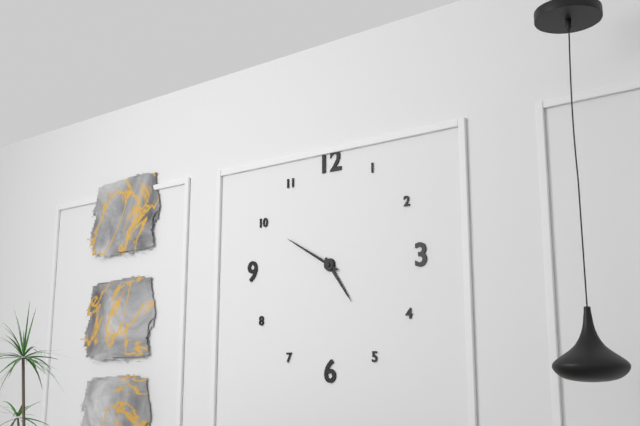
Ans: h=4 m=50
